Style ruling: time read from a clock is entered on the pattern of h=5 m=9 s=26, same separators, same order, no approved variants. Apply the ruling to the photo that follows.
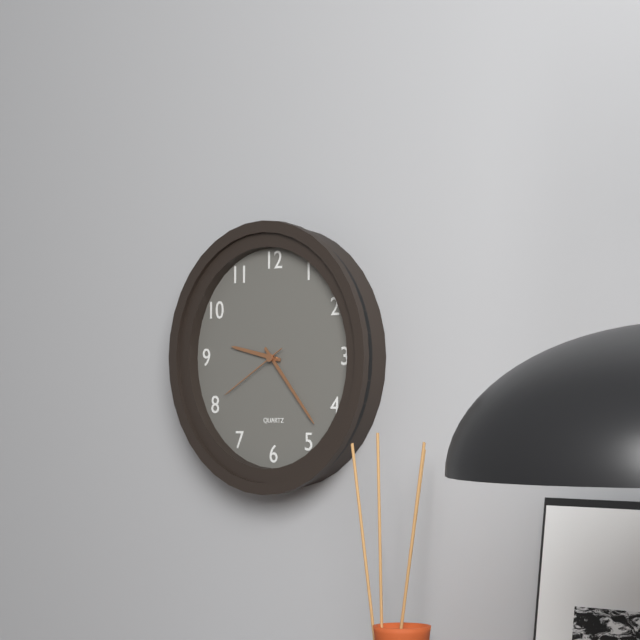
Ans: h=9 m=23 s=40
